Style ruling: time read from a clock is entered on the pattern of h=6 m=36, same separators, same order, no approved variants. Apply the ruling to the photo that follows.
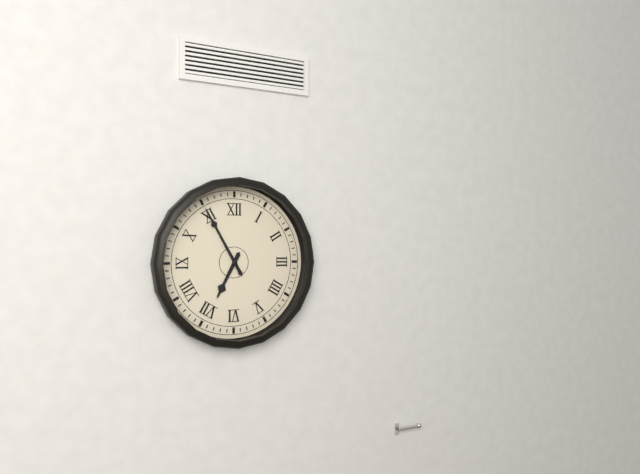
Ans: h=6 m=55
